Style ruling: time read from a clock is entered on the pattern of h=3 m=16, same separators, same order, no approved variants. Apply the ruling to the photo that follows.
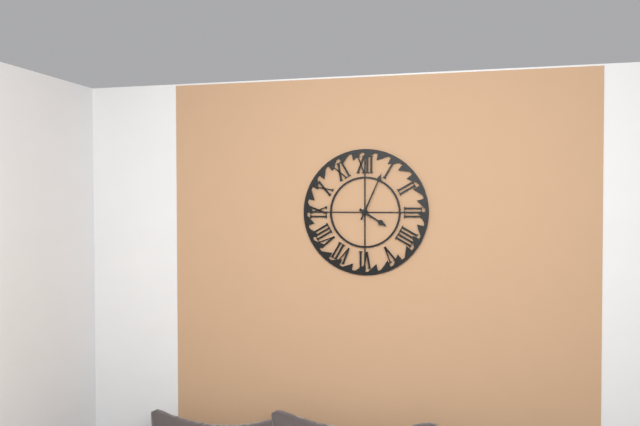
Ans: h=4 m=4
